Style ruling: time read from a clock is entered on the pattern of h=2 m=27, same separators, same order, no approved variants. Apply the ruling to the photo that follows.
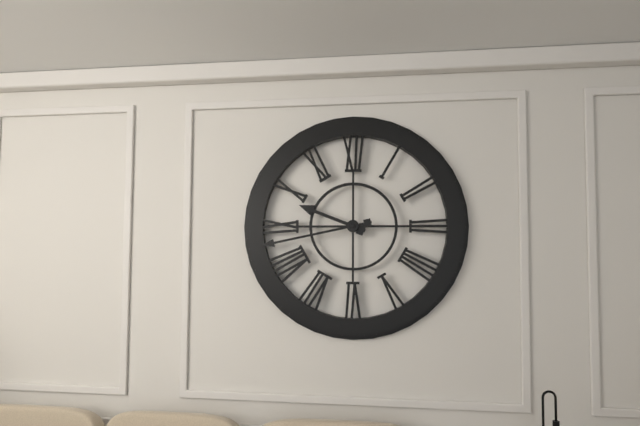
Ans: h=9 m=43
